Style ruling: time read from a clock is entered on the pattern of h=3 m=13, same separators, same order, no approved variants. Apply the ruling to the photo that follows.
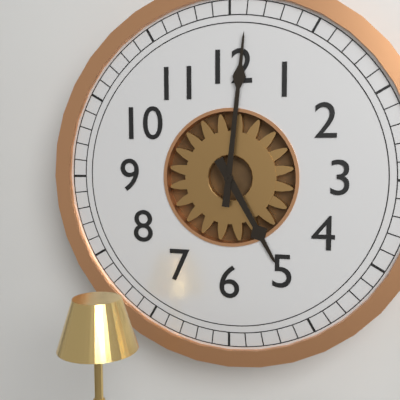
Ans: h=5 m=1
